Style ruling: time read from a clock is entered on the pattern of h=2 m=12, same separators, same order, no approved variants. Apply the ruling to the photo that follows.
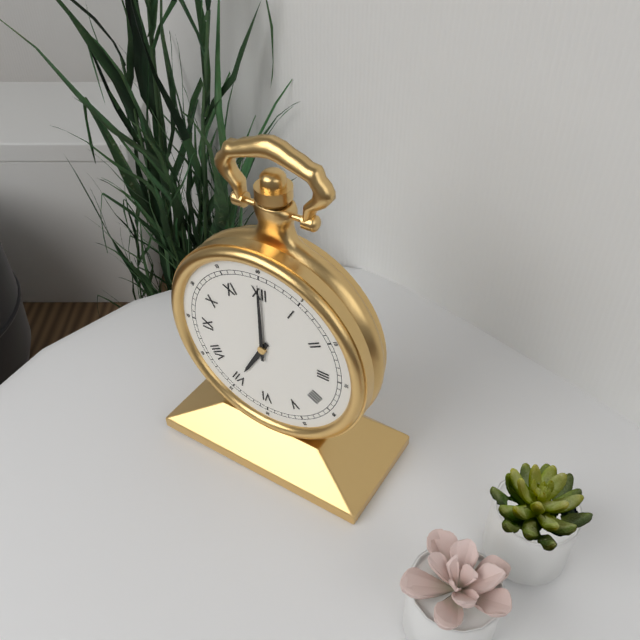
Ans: h=7 m=0
